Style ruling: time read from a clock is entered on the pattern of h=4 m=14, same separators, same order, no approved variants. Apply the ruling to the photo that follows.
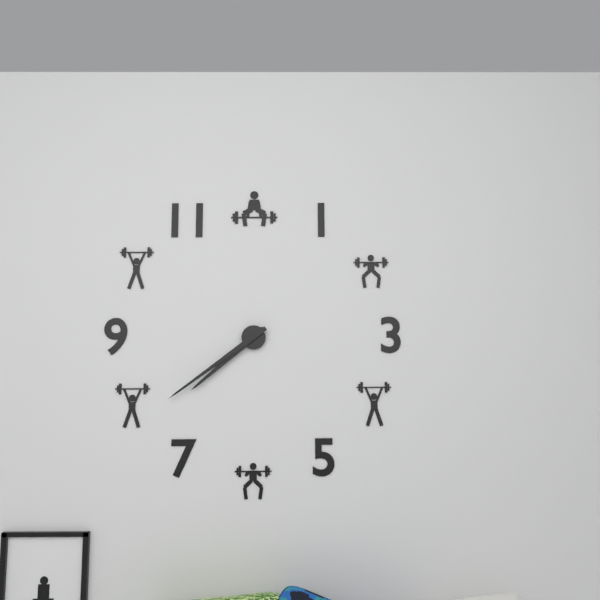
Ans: h=7 m=39
